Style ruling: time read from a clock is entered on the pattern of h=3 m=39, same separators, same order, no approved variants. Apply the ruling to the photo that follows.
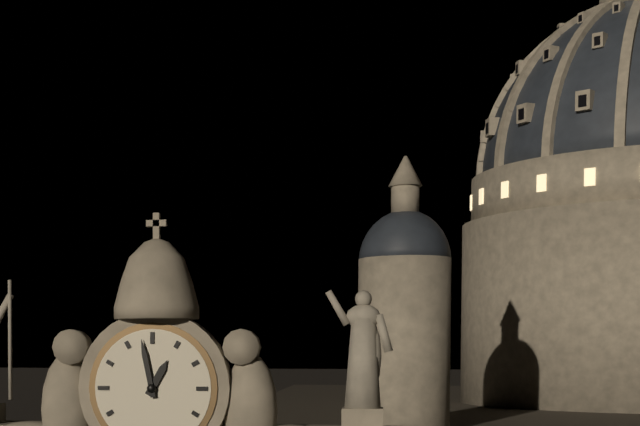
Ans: h=12 m=58
